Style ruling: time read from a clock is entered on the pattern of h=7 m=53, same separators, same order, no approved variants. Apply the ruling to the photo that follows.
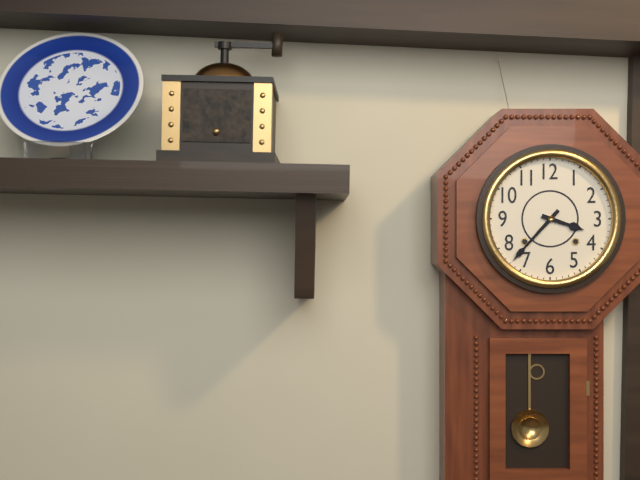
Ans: h=3 m=37
